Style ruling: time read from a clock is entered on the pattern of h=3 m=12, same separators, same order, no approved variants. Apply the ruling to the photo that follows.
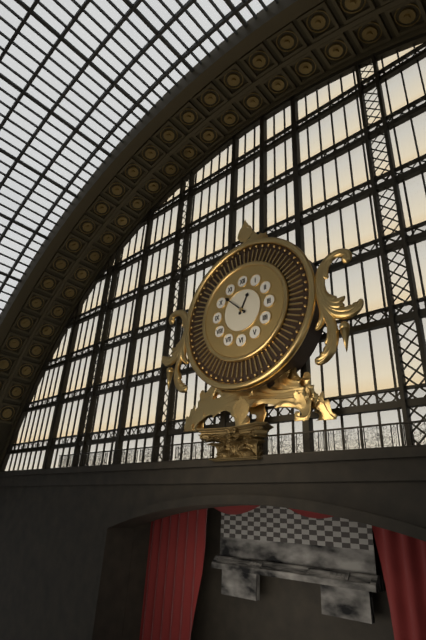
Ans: h=12 m=52
